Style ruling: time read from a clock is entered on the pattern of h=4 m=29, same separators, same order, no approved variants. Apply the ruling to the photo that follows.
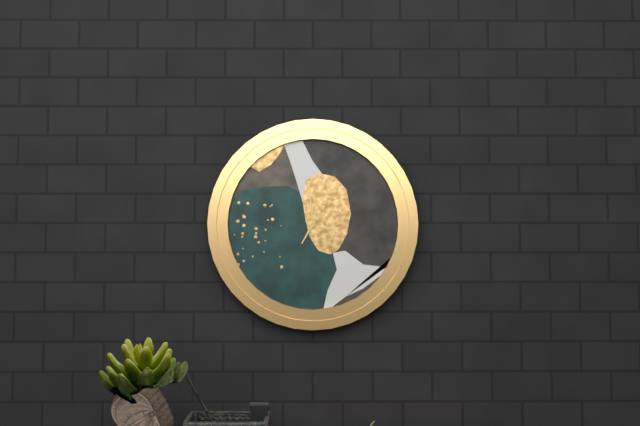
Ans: h=6 m=59
